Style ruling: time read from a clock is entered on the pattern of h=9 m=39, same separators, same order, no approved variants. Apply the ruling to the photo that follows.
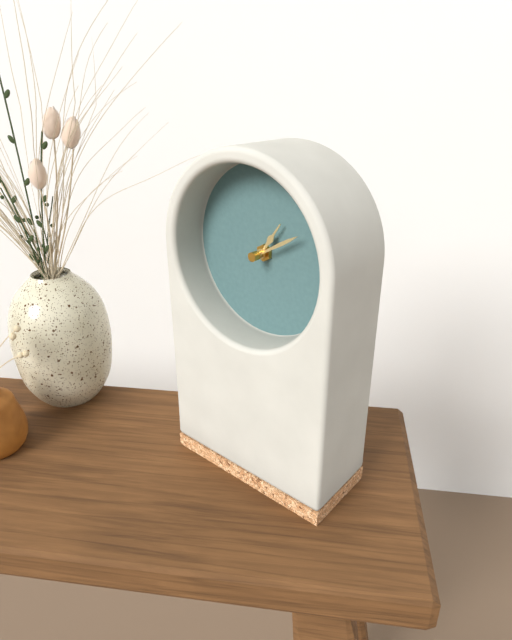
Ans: h=1 m=10
